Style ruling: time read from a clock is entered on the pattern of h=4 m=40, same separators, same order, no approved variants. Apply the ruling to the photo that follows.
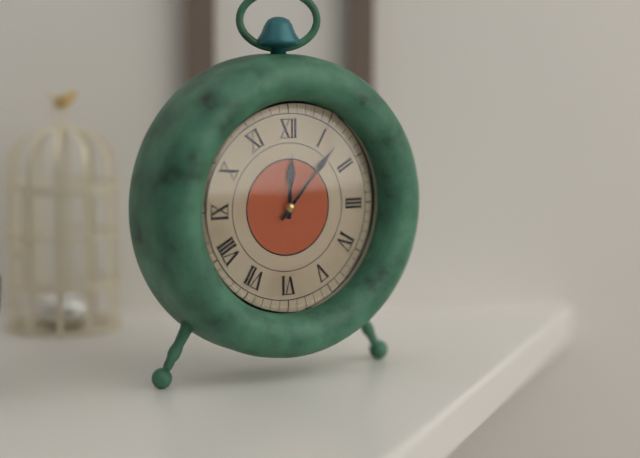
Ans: h=12 m=7
